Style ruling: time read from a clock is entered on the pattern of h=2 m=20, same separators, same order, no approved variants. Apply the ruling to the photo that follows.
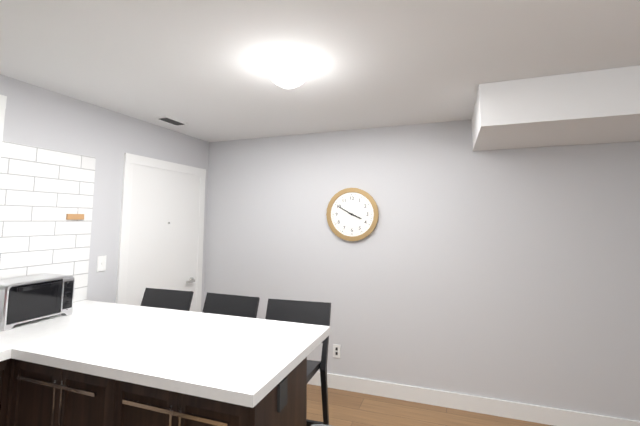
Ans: h=3 m=50
